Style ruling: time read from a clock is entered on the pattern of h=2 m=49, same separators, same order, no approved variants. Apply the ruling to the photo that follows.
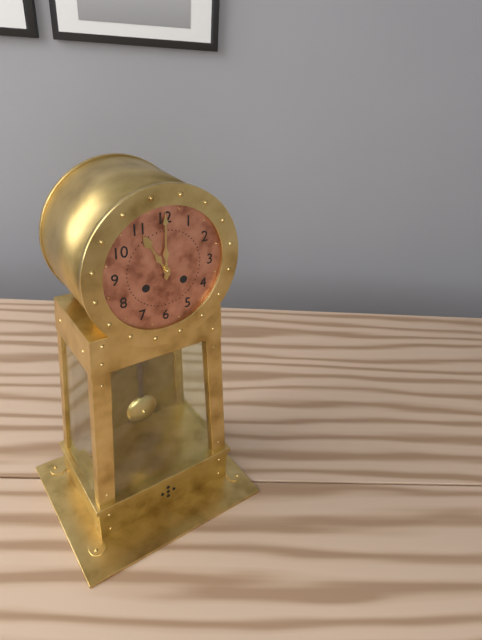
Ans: h=11 m=0
